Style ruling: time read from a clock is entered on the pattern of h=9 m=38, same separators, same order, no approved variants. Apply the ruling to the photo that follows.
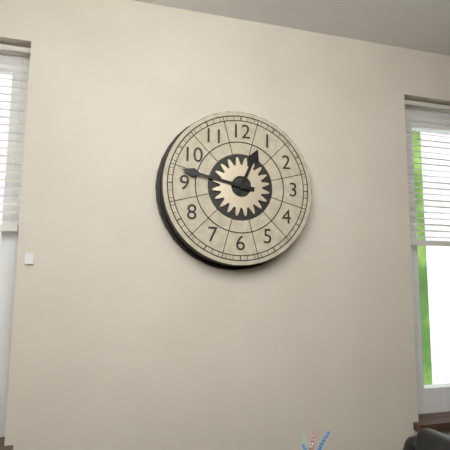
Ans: h=12 m=47
